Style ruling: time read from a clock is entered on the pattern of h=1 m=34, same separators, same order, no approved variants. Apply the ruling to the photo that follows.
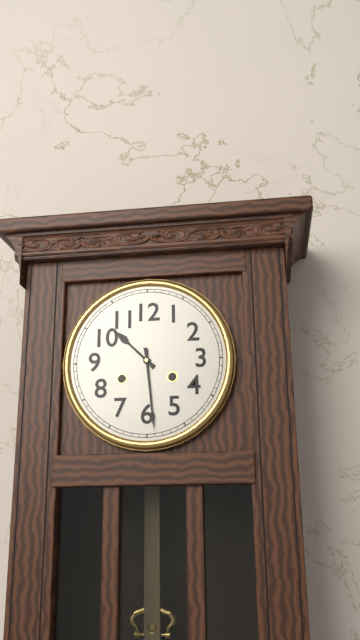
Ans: h=10 m=29
